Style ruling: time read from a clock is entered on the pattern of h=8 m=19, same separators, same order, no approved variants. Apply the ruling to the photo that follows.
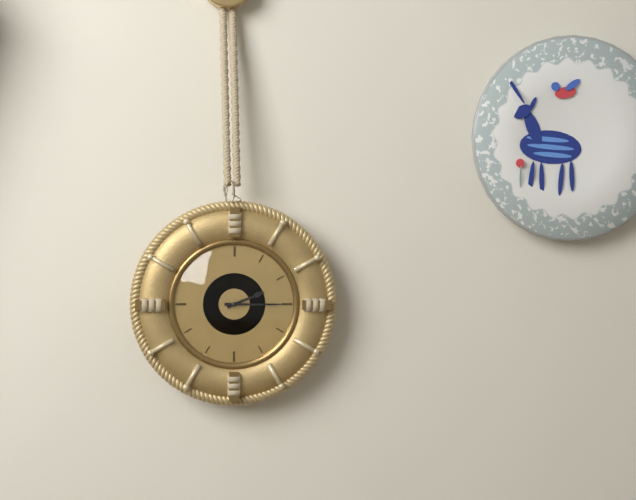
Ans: h=2 m=15
